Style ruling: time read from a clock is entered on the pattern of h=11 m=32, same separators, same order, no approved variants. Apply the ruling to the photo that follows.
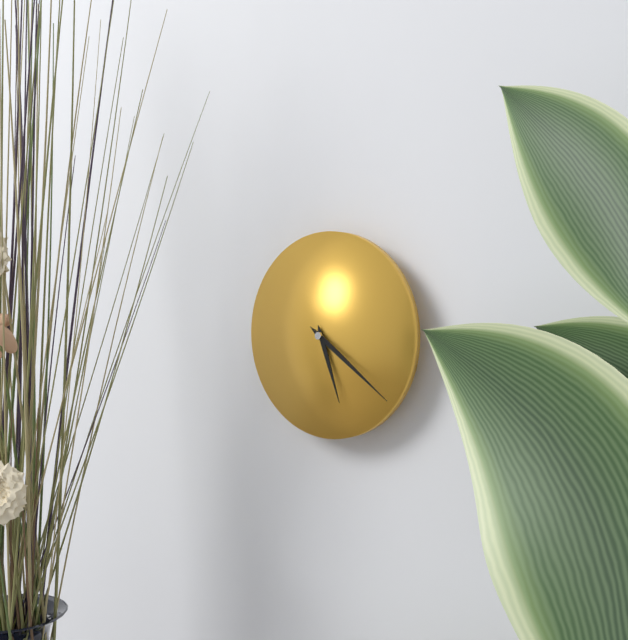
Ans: h=5 m=21
